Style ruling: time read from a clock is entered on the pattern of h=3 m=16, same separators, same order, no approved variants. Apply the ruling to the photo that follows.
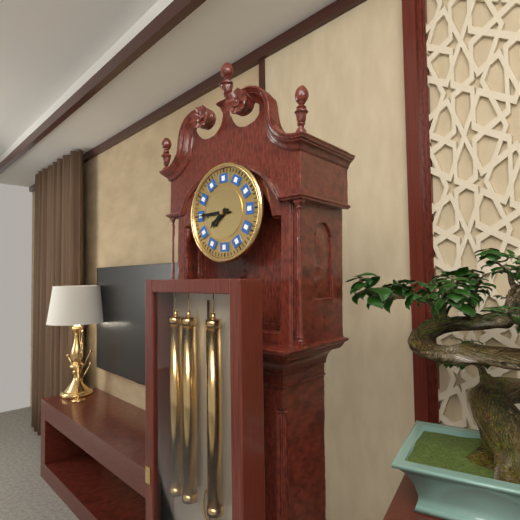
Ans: h=7 m=45
